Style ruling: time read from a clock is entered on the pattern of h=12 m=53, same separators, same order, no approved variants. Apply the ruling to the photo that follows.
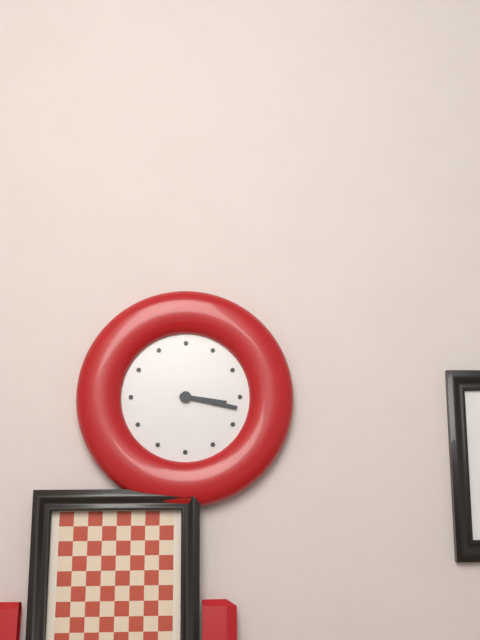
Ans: h=3 m=17
